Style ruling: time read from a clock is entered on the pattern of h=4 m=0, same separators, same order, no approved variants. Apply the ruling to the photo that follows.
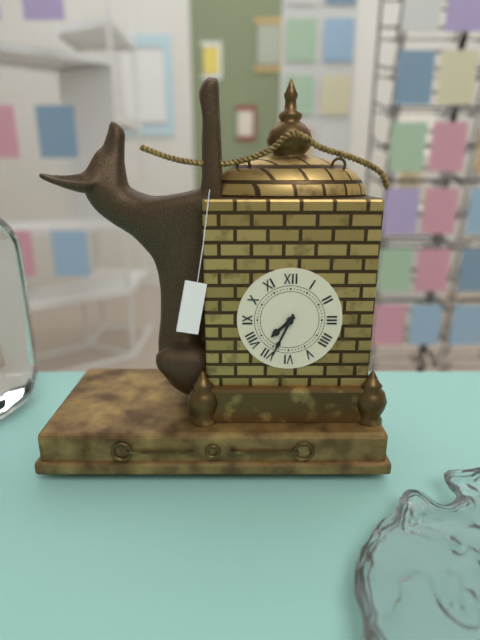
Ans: h=7 m=34
